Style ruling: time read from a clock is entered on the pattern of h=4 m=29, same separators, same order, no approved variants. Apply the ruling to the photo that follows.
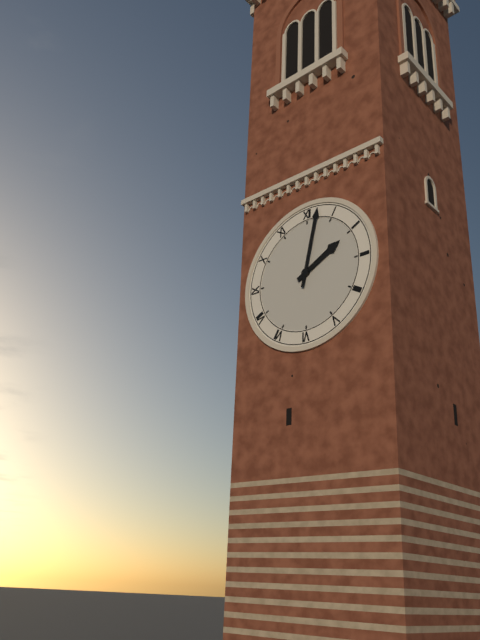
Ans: h=2 m=2
